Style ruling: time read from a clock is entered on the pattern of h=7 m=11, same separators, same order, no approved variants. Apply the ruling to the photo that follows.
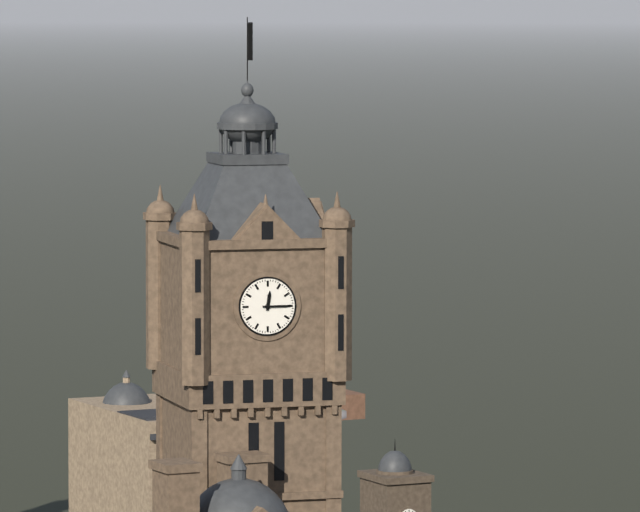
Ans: h=12 m=15
